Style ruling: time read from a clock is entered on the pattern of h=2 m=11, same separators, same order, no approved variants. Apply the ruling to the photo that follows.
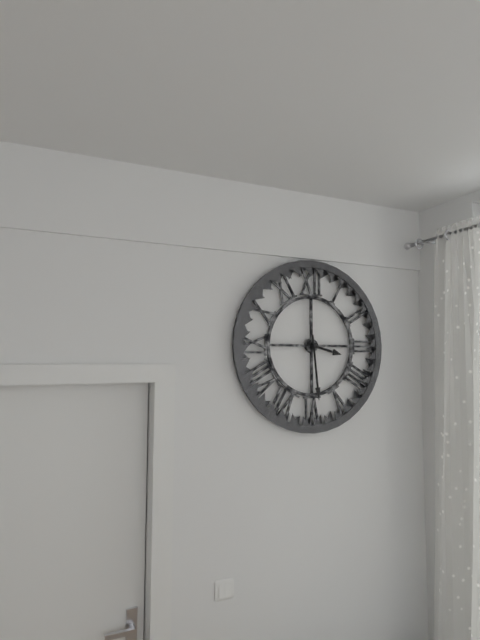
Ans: h=3 m=29
